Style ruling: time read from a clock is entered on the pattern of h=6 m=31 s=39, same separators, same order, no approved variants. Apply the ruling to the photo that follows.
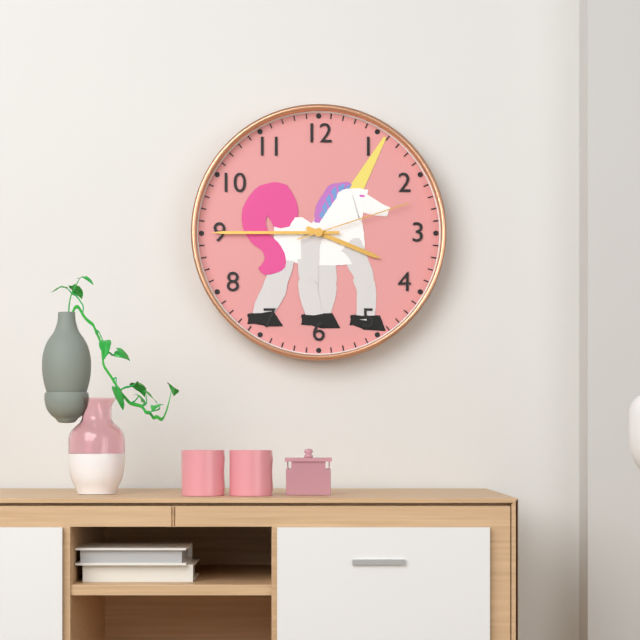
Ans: h=3 m=45 s=12
